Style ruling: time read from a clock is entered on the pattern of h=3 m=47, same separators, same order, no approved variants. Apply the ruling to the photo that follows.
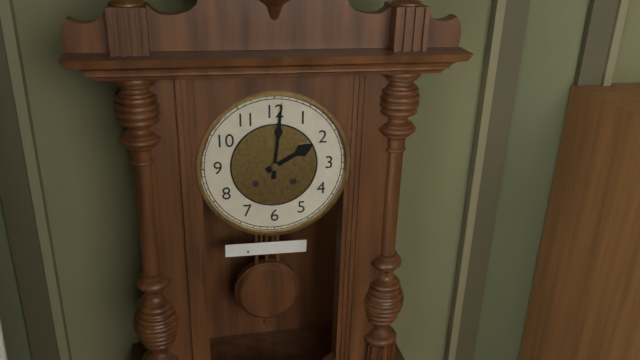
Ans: h=2 m=1
